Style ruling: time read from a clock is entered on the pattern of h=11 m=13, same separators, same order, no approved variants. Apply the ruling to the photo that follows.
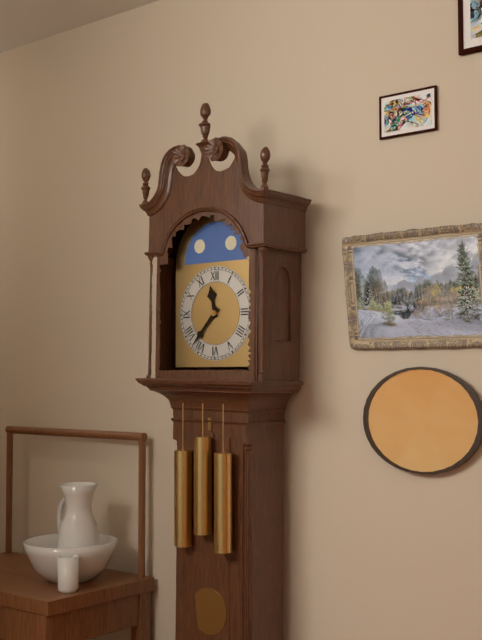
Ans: h=11 m=37
